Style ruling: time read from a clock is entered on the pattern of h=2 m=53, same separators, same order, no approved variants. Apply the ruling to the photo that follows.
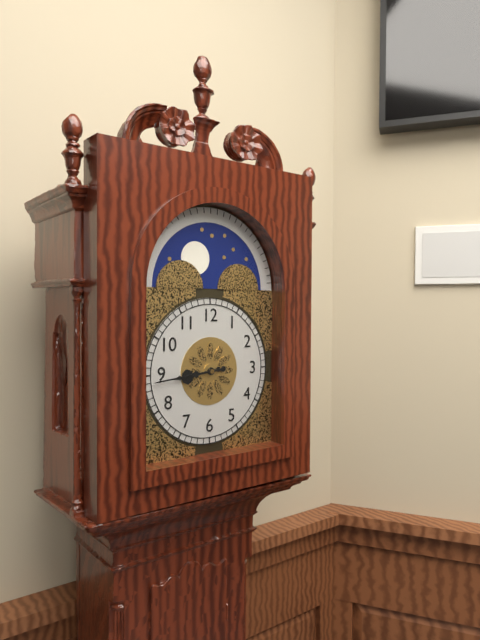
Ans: h=8 m=44
